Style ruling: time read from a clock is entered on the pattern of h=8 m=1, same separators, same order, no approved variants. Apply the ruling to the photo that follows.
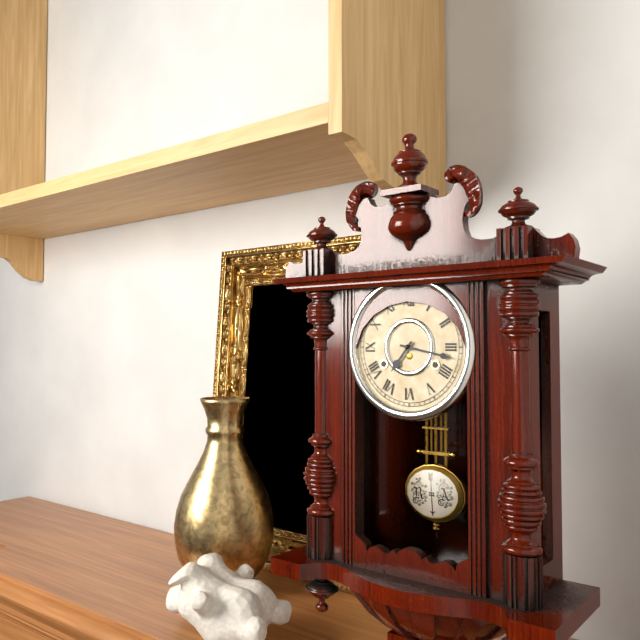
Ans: h=7 m=17
